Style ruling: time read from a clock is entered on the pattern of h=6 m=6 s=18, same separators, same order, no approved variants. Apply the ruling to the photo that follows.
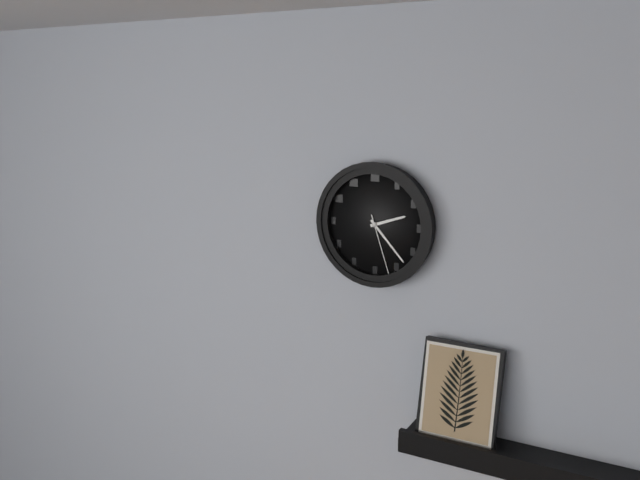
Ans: h=2 m=23 s=27
